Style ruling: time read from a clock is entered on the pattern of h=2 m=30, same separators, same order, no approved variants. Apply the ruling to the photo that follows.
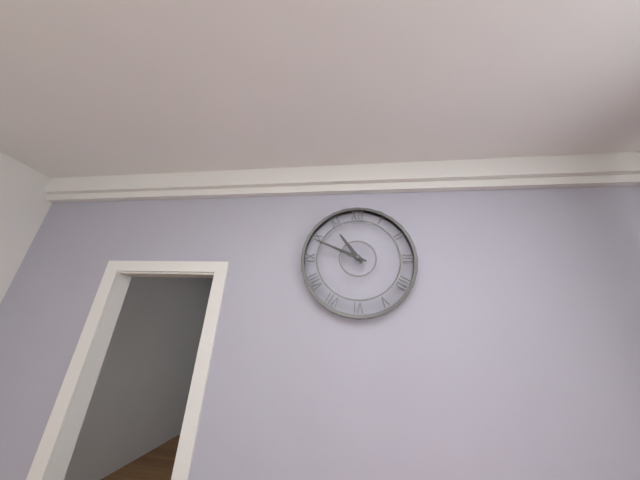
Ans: h=10 m=49
